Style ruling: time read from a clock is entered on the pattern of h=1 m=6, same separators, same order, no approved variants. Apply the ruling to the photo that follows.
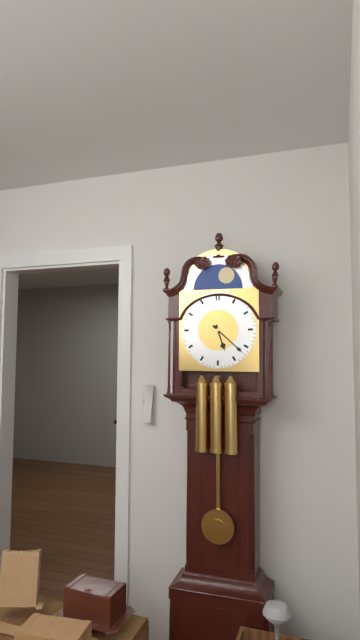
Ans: h=5 m=22
